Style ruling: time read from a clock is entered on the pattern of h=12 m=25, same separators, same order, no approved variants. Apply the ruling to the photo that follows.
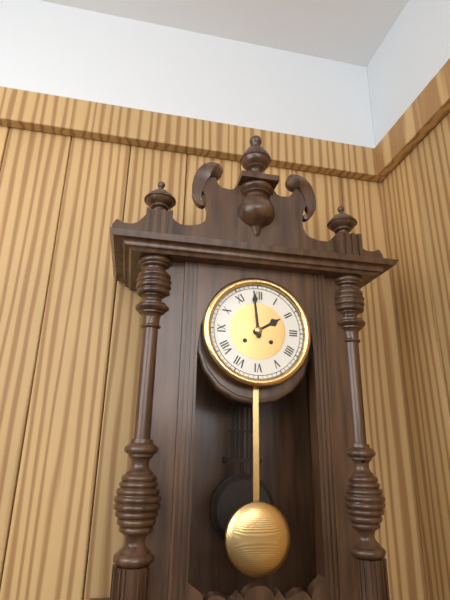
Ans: h=1 m=59
